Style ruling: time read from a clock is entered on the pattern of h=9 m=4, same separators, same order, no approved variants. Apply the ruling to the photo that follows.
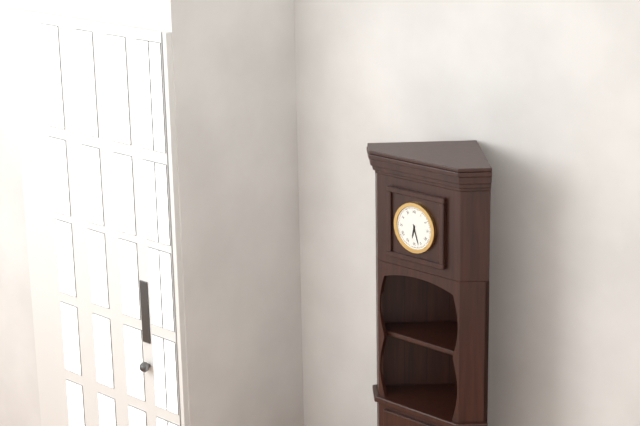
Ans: h=6 m=27
